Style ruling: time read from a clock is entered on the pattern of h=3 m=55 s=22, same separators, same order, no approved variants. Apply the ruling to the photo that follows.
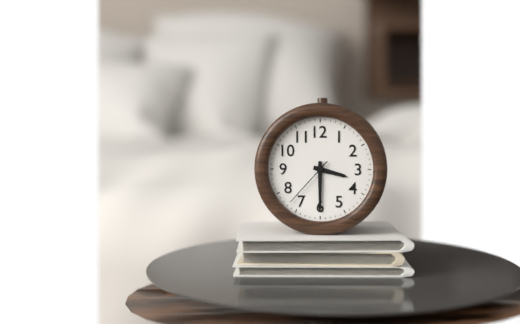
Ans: h=3 m=30 s=37
